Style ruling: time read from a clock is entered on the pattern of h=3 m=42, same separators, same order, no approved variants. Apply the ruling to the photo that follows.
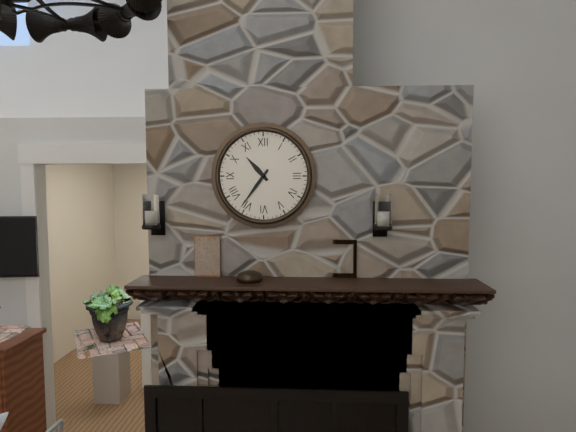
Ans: h=10 m=36
